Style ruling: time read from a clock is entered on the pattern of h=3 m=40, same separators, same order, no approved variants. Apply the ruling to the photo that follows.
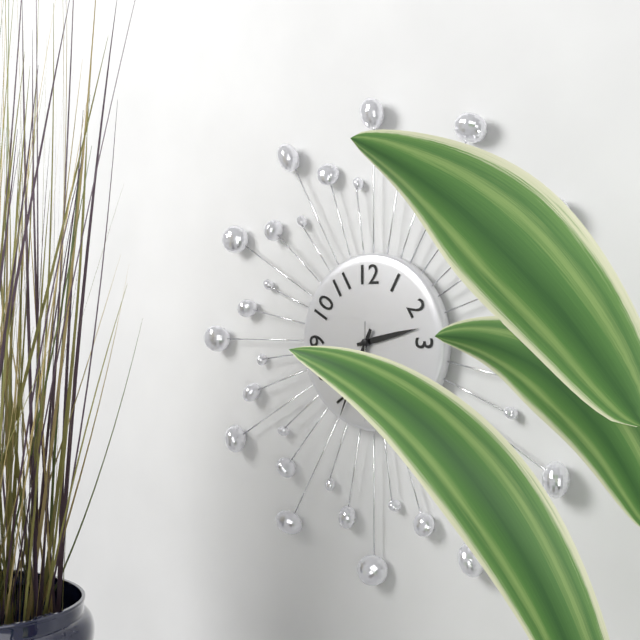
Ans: h=2 m=34
